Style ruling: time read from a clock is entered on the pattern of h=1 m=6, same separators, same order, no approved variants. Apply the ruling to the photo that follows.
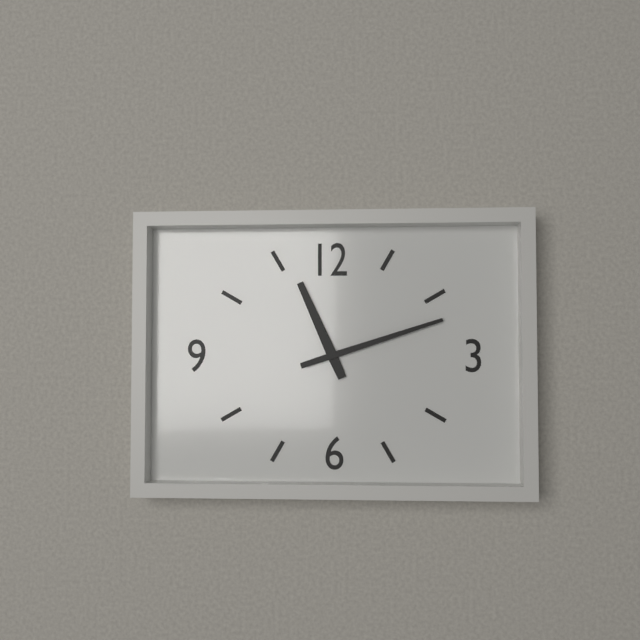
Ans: h=11 m=12
